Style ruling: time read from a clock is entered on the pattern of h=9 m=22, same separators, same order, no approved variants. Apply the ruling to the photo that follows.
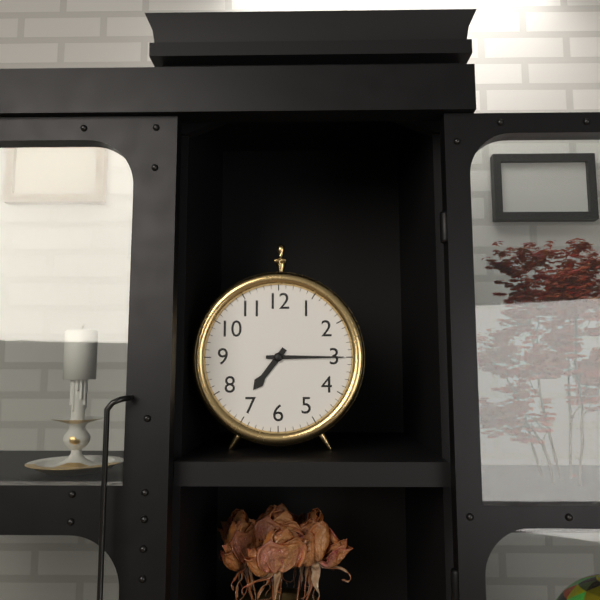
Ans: h=7 m=15
